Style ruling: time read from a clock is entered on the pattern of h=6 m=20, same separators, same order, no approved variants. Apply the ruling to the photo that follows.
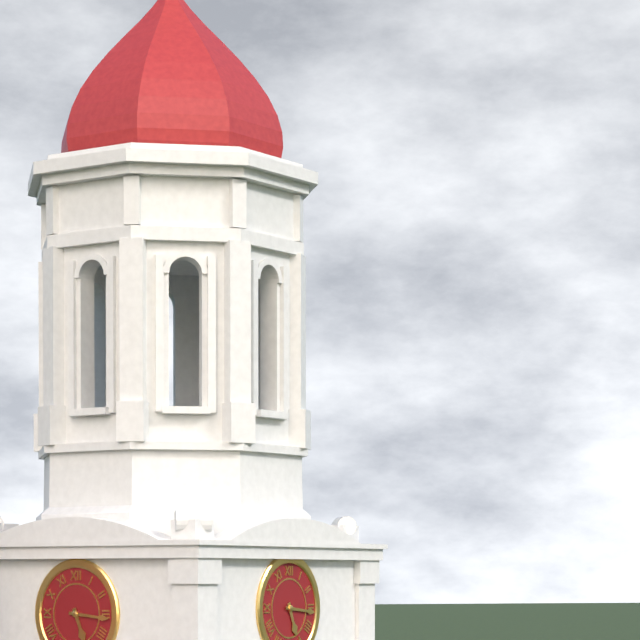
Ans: h=5 m=16
